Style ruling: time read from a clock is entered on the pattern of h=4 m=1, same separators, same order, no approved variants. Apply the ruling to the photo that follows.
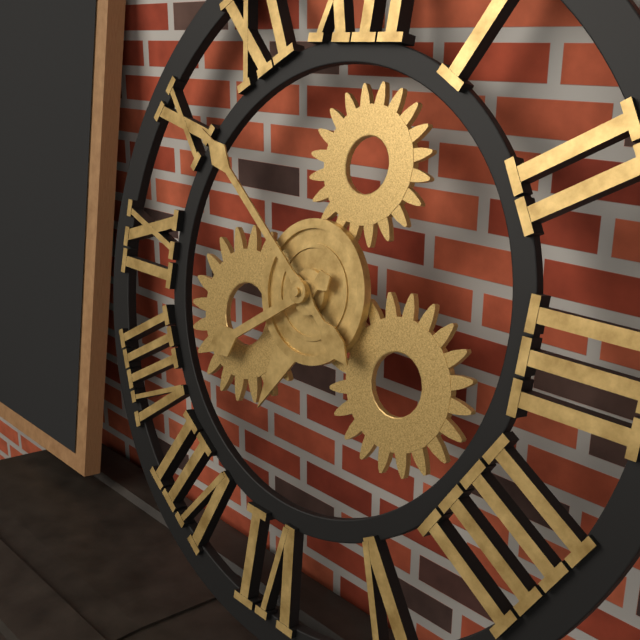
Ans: h=7 m=51
